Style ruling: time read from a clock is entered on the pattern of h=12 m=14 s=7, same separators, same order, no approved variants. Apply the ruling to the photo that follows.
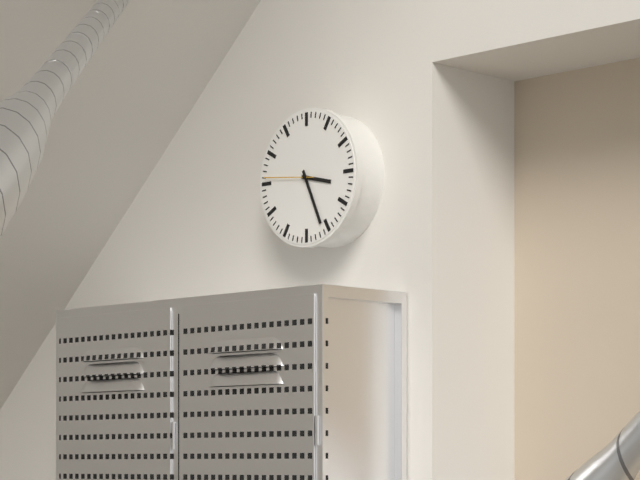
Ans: h=3 m=26 s=46
